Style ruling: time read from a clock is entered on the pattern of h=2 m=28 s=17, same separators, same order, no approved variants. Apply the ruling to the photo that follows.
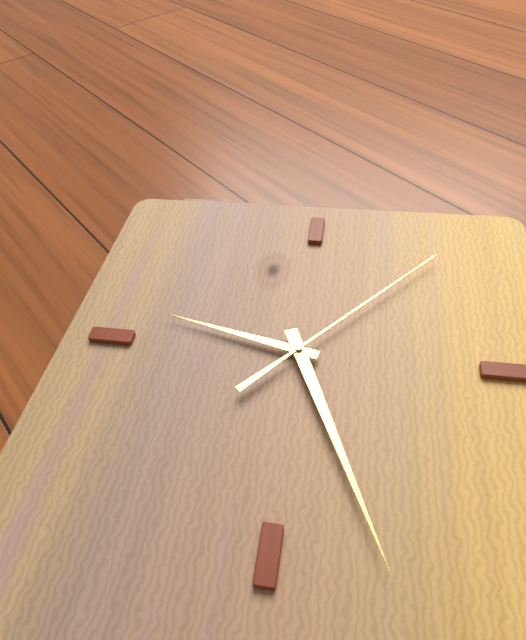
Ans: h=9 m=26 s=7
